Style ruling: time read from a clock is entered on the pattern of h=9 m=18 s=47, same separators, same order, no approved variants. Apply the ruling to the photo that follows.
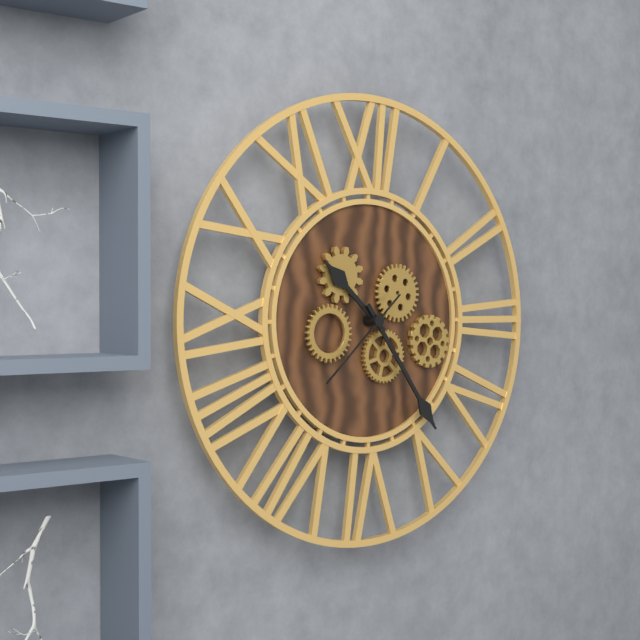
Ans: h=10 m=24 s=38
